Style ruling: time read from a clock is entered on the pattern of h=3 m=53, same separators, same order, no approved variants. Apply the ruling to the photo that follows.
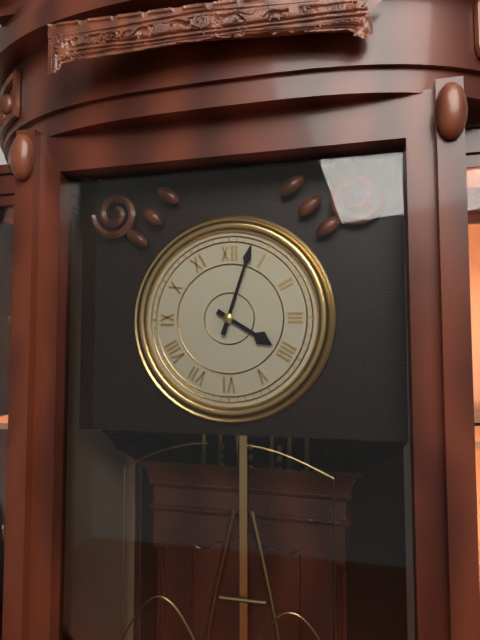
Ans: h=4 m=3
